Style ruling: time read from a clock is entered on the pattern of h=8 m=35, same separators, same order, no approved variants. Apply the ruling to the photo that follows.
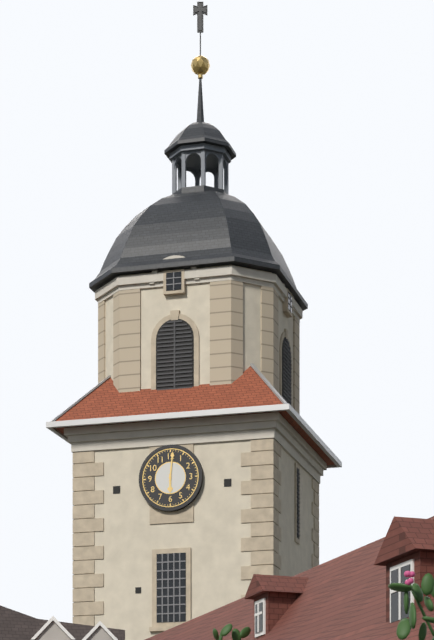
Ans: h=6 m=1
